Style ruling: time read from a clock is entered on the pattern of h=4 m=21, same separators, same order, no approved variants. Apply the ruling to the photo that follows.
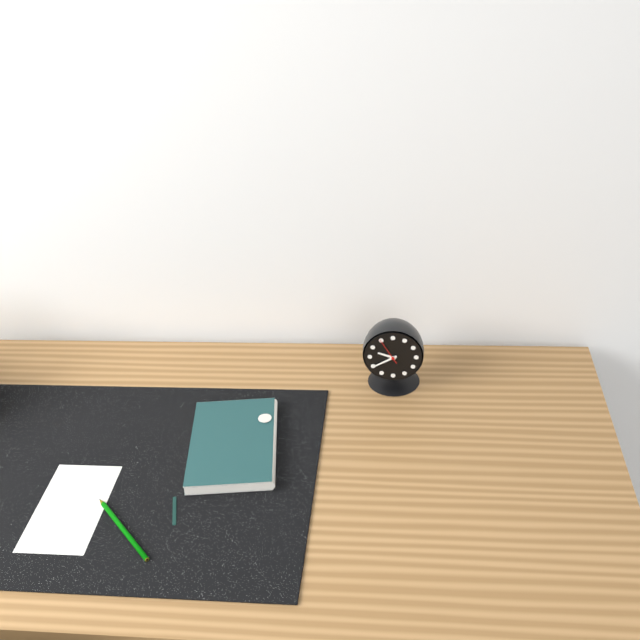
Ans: h=9 m=40
